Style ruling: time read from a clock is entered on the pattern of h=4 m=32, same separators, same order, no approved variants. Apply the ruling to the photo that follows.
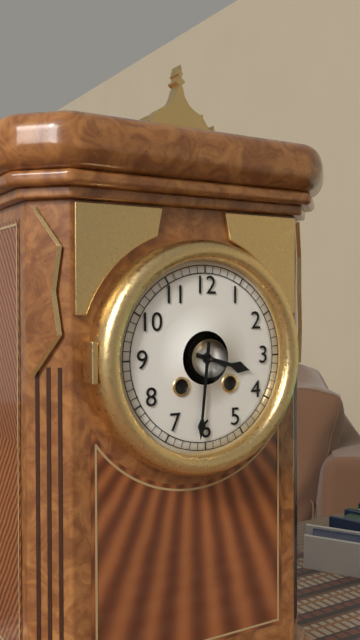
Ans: h=3 m=31
